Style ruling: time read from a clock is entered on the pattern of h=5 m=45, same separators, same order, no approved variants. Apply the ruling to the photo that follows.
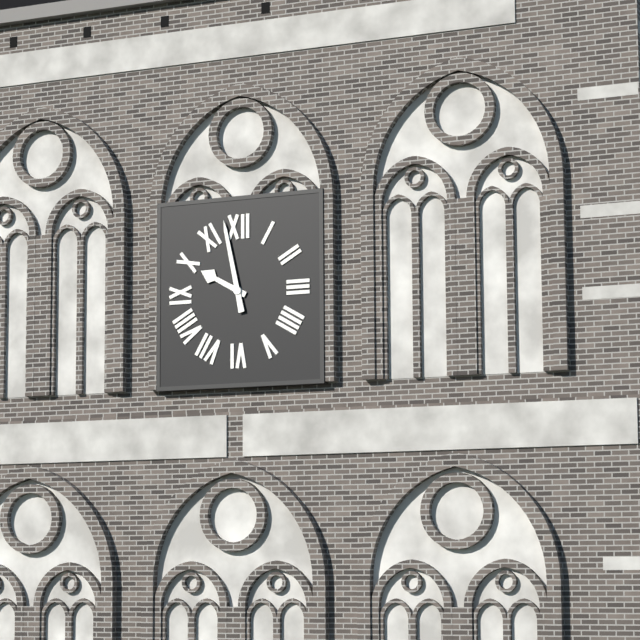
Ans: h=9 m=58
